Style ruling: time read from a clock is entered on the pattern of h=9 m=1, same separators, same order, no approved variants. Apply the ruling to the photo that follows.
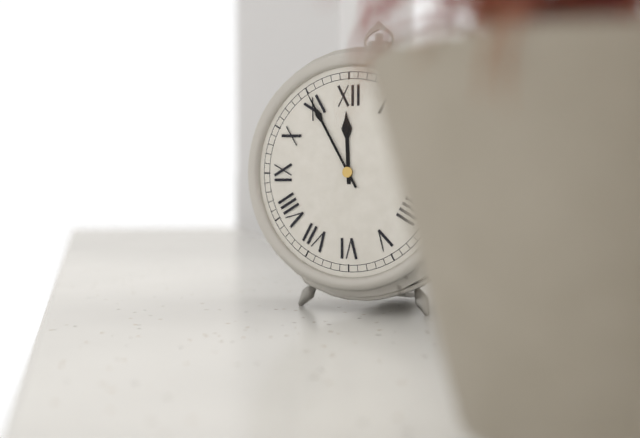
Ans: h=11 m=55
